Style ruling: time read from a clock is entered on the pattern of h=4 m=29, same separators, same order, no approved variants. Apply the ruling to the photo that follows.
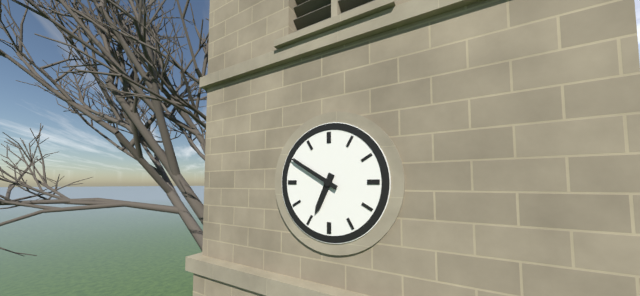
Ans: h=6 m=50
